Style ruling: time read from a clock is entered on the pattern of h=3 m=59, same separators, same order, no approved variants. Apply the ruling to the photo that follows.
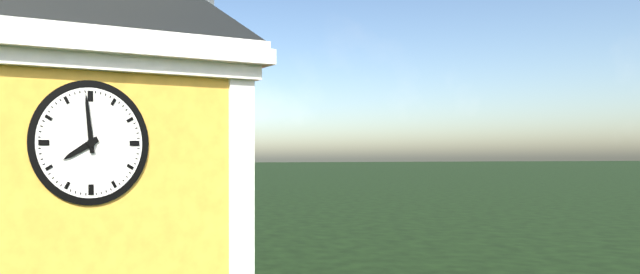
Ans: h=7 m=59
